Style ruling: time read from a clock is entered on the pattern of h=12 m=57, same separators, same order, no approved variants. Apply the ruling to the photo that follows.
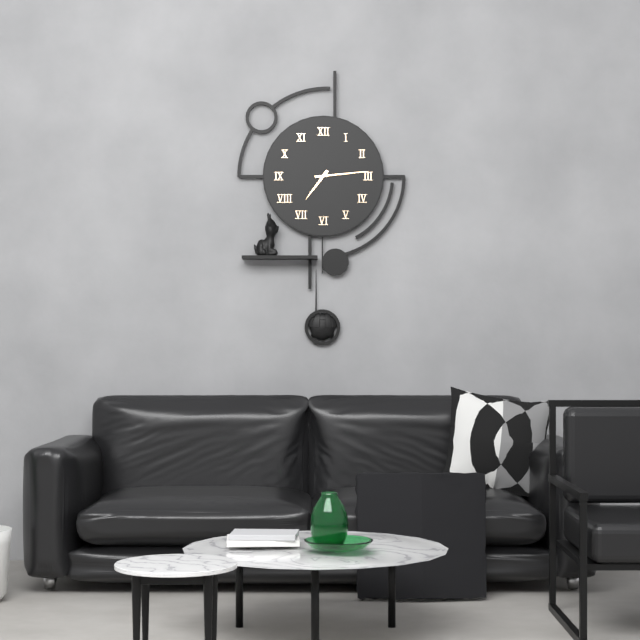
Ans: h=7 m=14
